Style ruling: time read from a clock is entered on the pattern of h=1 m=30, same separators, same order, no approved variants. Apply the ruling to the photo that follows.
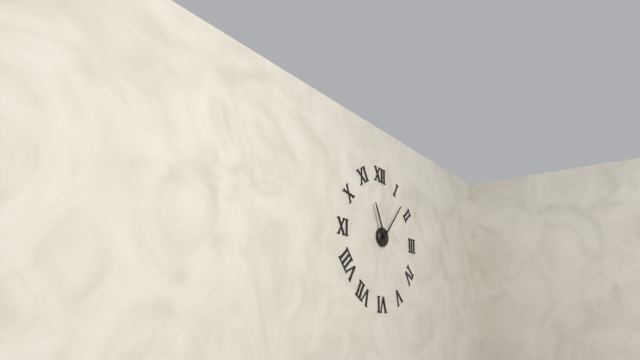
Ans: h=11 m=7
